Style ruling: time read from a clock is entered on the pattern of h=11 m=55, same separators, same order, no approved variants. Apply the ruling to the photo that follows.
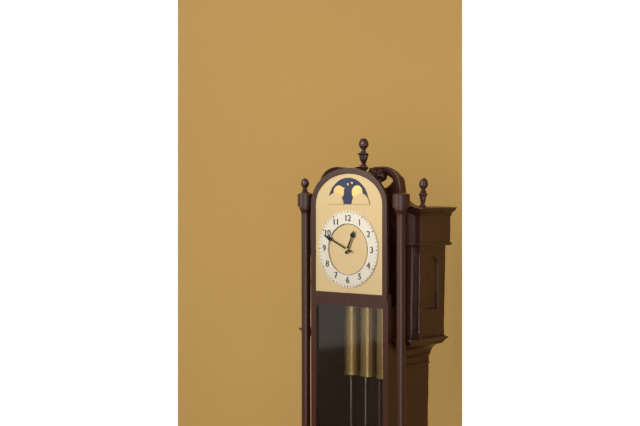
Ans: h=12 m=49
